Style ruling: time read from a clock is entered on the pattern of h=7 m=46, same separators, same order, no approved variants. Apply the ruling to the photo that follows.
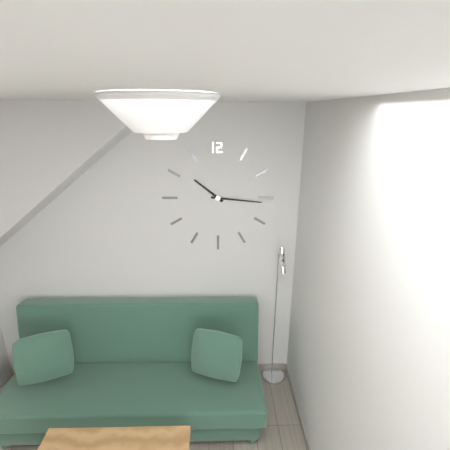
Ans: h=10 m=16
